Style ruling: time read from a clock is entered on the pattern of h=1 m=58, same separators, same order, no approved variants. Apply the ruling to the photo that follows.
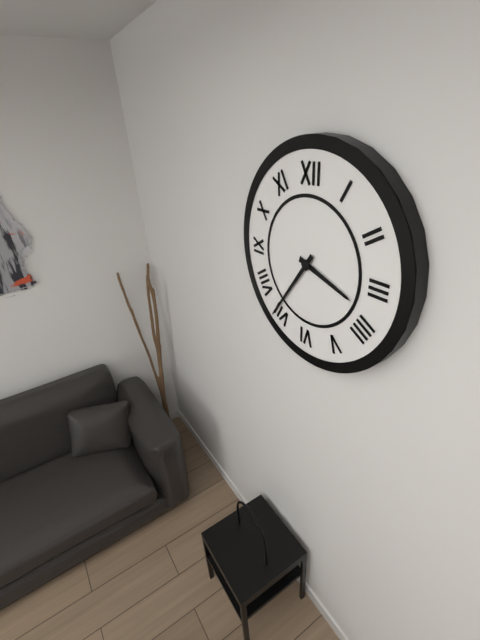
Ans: h=3 m=36
